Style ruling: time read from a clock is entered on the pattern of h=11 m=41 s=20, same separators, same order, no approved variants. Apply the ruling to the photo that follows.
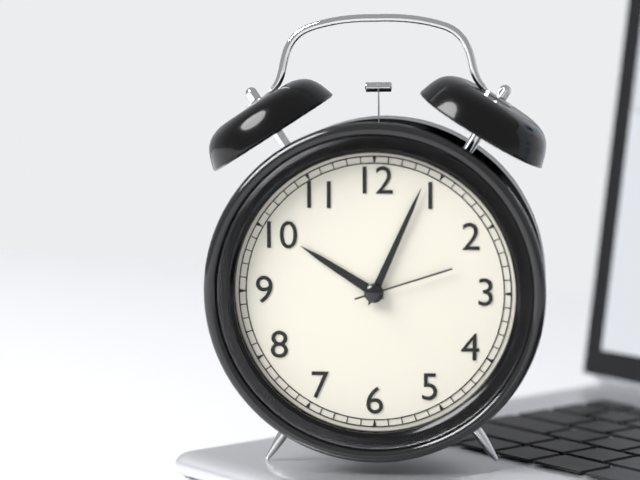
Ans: h=10 m=4 s=12
